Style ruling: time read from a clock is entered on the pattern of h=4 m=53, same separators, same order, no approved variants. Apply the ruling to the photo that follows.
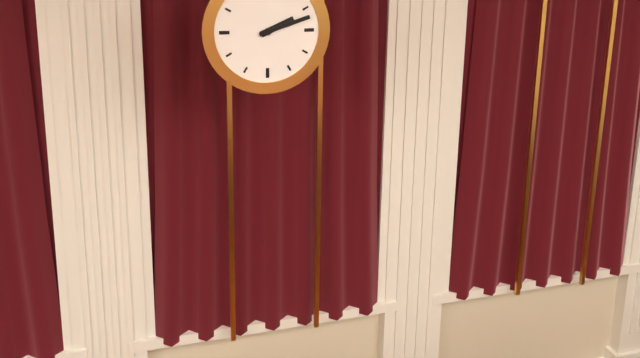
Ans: h=2 m=12
